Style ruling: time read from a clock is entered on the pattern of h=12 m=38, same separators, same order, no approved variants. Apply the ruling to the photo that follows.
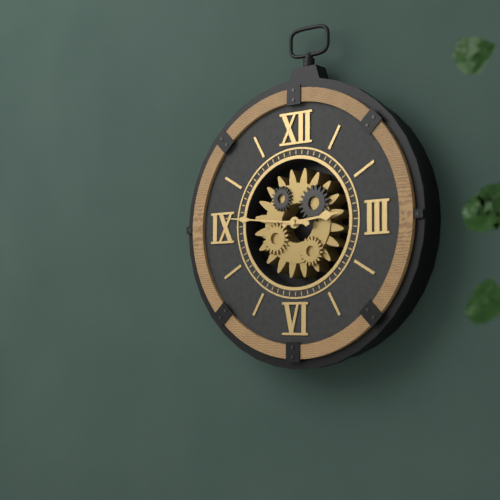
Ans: h=2 m=46
